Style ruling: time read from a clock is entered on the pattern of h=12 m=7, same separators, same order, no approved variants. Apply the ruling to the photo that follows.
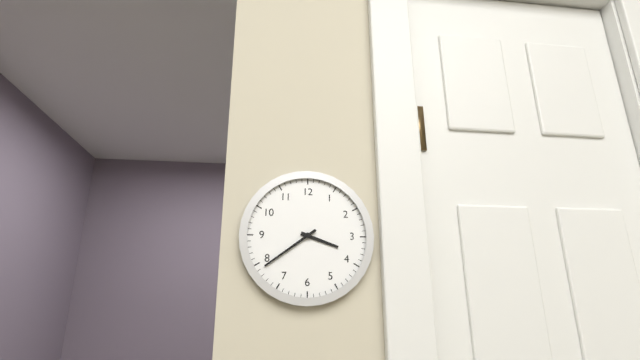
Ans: h=3 m=39
